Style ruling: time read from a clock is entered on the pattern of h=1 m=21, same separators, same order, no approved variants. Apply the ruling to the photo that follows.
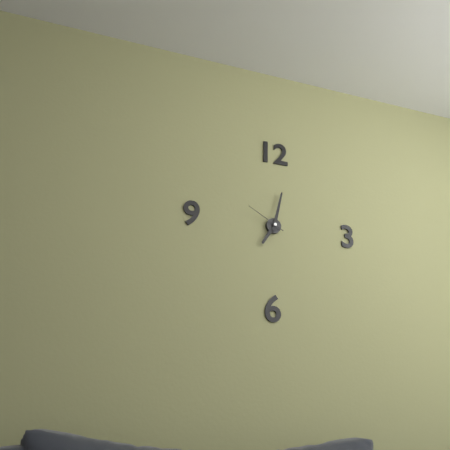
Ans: h=7 m=2
